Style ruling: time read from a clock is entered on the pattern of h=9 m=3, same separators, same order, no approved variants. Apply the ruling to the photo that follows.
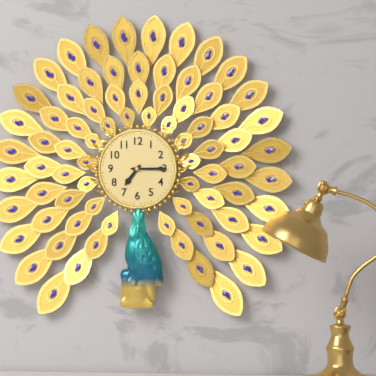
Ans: h=7 m=15
